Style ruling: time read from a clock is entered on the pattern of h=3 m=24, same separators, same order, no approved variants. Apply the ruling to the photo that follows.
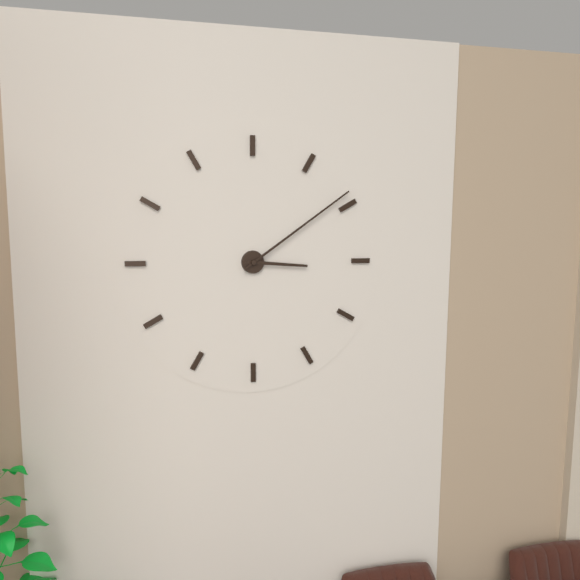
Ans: h=3 m=9
